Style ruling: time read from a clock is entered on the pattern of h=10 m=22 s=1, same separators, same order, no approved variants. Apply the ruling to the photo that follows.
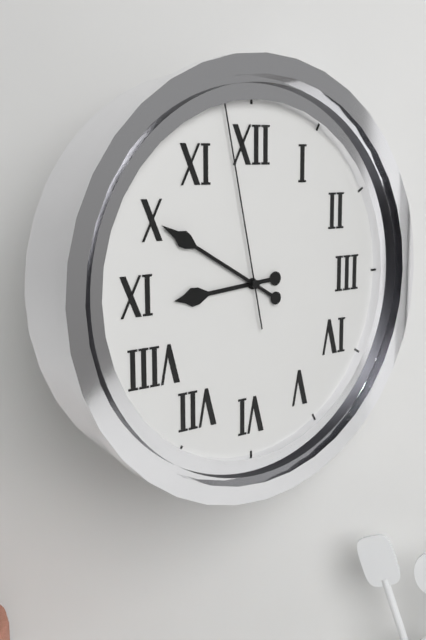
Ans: h=8 m=50 s=58
